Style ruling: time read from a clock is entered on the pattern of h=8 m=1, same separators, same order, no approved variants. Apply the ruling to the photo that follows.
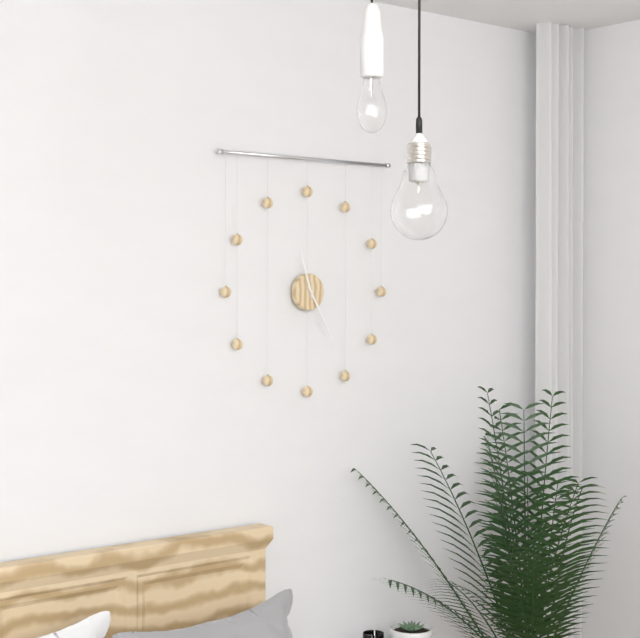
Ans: h=11 m=25
